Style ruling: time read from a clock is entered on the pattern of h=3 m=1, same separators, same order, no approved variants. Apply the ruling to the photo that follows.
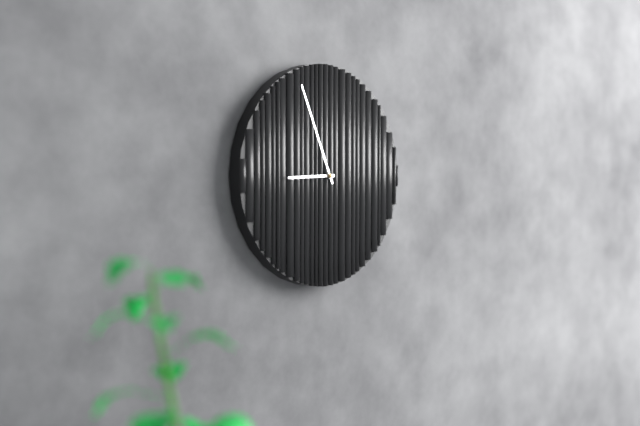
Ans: h=8 m=56
